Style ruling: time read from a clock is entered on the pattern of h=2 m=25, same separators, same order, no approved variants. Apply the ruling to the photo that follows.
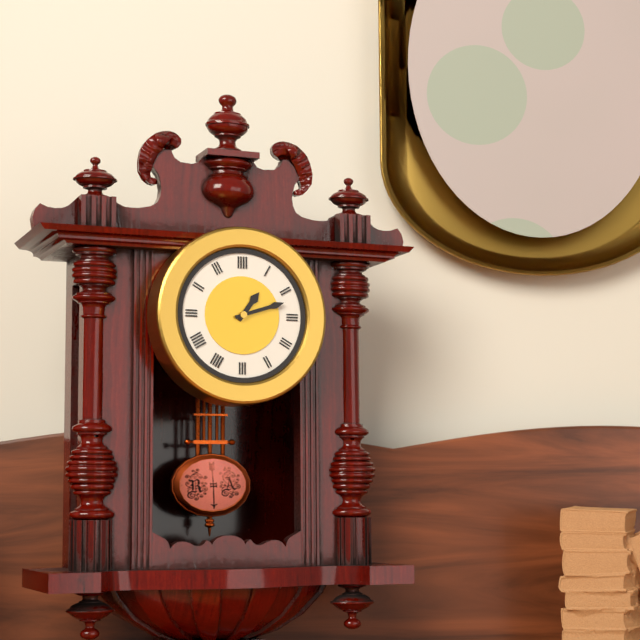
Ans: h=1 m=12
